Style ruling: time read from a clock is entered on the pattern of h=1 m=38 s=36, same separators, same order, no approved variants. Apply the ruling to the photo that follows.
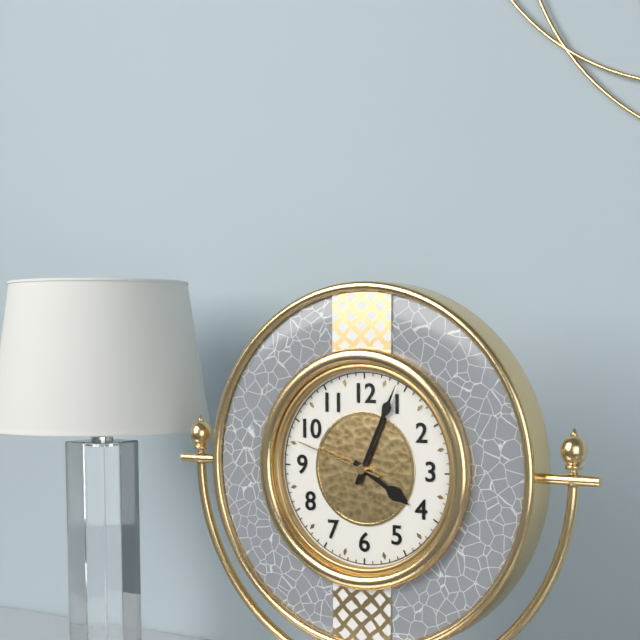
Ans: h=4 m=4 s=48
